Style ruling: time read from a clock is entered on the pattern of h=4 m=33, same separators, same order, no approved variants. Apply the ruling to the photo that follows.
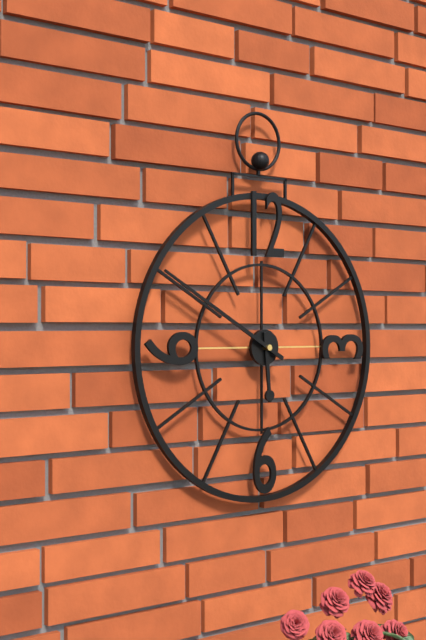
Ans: h=5 m=50
